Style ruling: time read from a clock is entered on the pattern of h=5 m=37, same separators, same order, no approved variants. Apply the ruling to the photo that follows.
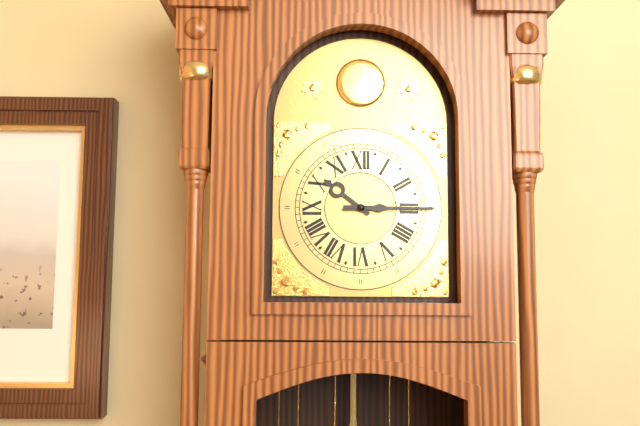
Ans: h=10 m=15
